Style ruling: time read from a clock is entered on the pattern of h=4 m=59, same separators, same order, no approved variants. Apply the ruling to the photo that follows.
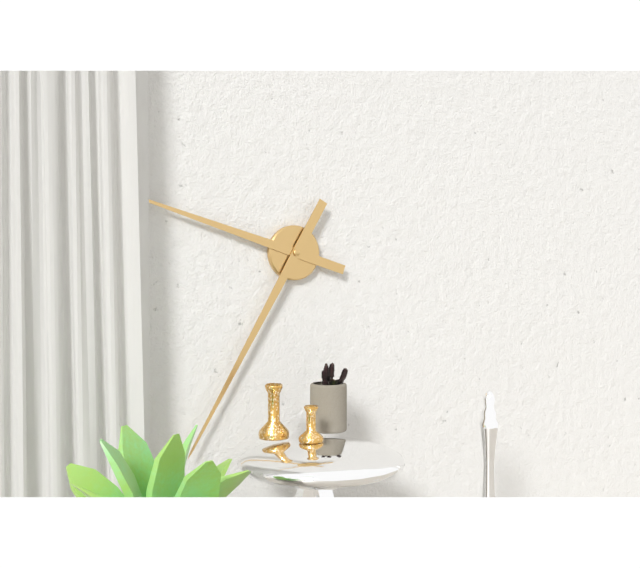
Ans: h=9 m=35
